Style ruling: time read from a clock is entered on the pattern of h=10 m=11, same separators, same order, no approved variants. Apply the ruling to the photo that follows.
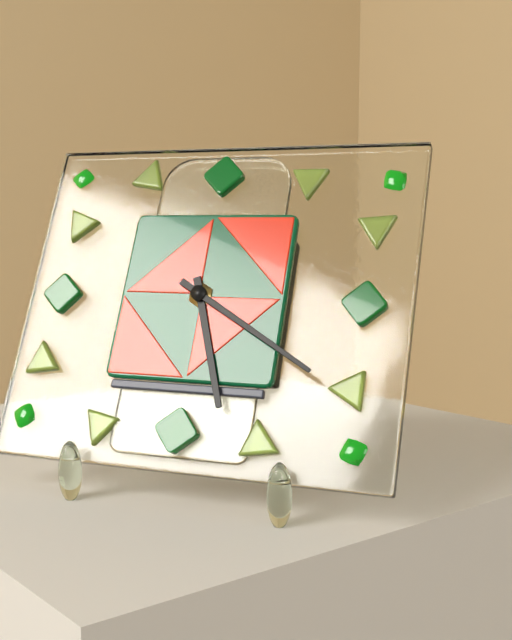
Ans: h=5 m=20
